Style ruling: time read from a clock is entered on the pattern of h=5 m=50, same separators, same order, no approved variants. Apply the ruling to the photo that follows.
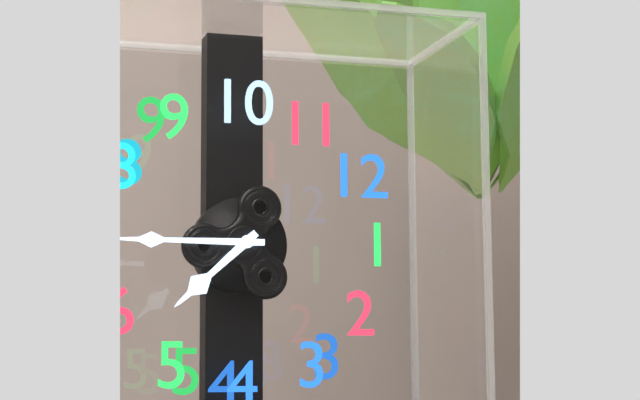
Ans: h=5 m=35
